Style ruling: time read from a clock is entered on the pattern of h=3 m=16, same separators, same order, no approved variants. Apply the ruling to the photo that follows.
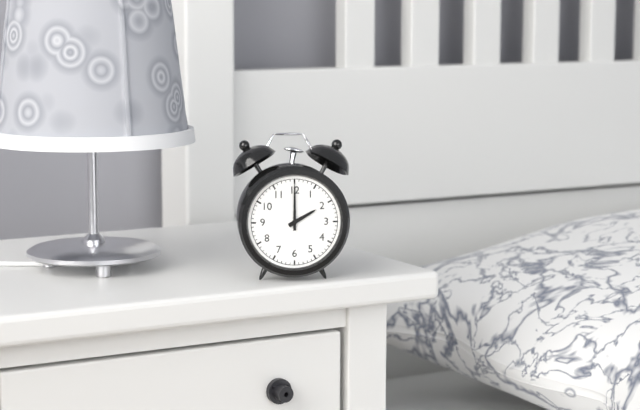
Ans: h=2 m=0
